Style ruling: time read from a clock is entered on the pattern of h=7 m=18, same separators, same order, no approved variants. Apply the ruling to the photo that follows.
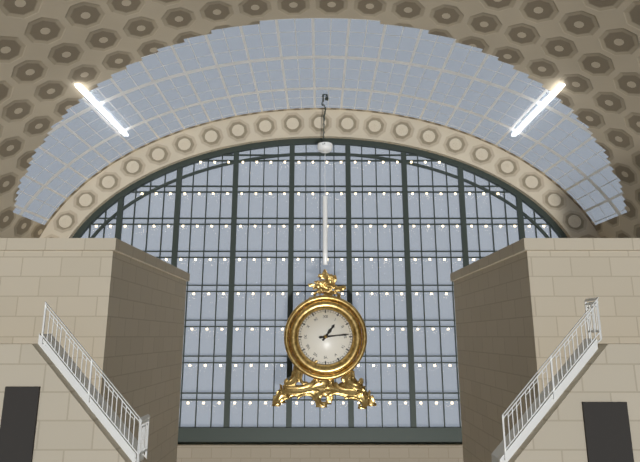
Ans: h=1 m=14
